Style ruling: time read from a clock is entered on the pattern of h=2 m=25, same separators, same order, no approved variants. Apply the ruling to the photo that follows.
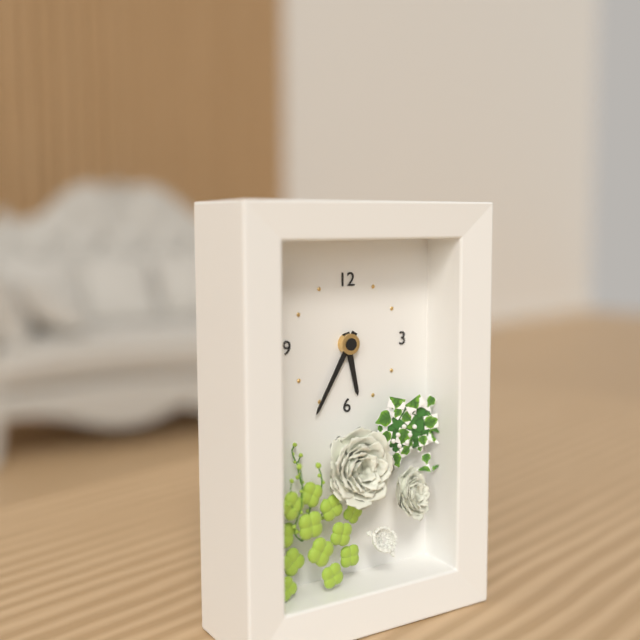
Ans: h=5 m=35
